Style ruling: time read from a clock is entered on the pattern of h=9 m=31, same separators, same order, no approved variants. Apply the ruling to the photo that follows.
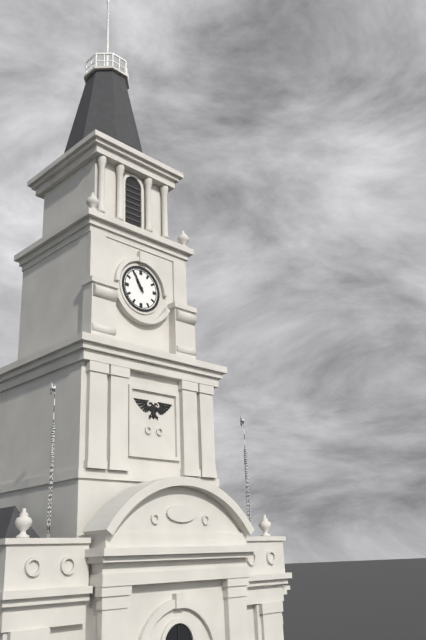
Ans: h=10 m=55
